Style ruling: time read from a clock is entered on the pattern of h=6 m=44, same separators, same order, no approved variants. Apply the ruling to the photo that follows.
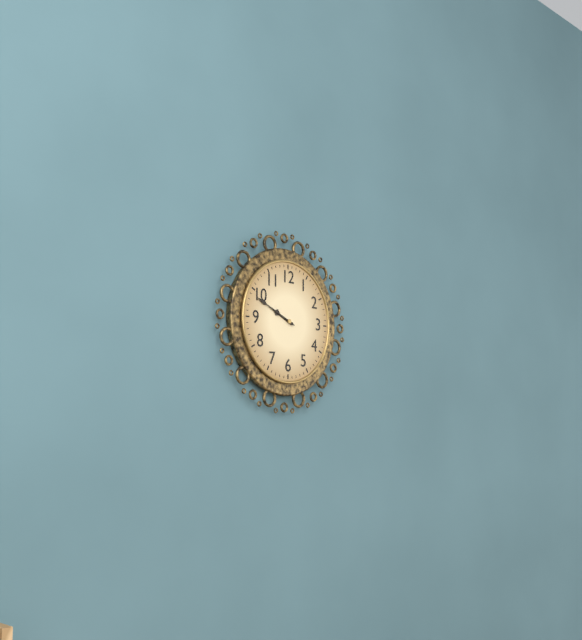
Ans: h=9 m=49
